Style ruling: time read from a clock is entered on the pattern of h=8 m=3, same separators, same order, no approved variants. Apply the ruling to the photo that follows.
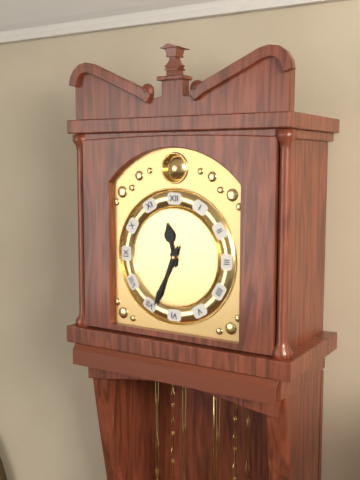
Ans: h=11 m=34
